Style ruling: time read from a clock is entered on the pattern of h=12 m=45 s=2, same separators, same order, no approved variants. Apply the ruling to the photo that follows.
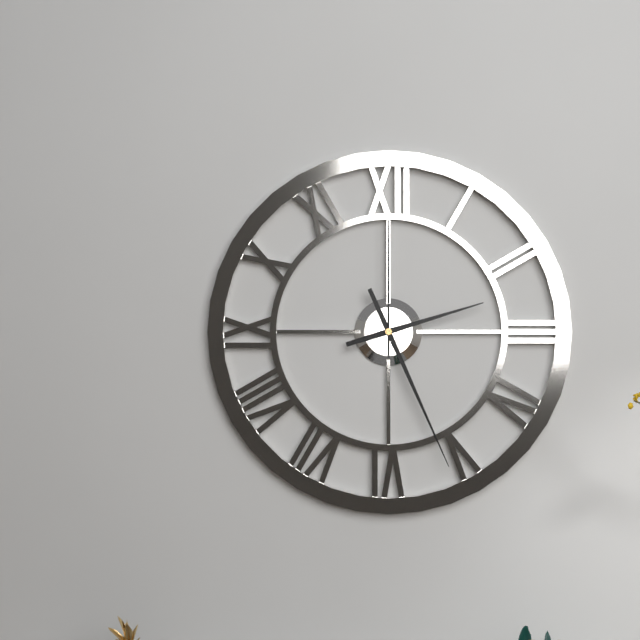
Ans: h=2 m=26 s=0
